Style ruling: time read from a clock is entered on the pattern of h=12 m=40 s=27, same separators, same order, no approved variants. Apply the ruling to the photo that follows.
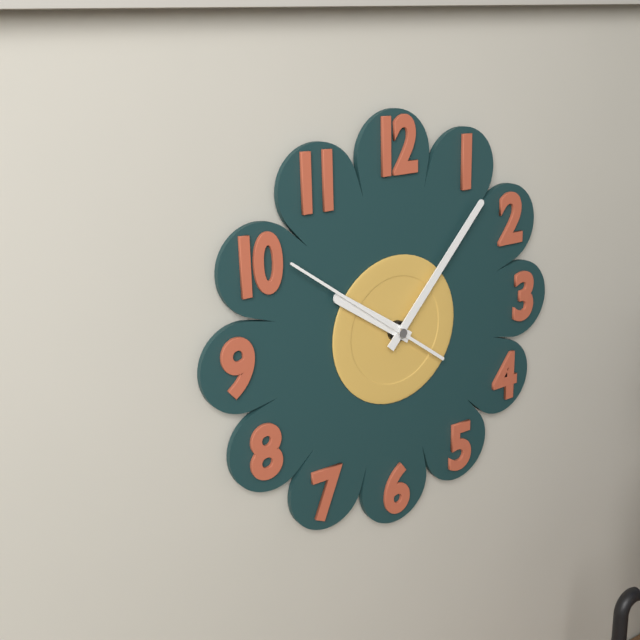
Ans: h=10 m=7 s=51
